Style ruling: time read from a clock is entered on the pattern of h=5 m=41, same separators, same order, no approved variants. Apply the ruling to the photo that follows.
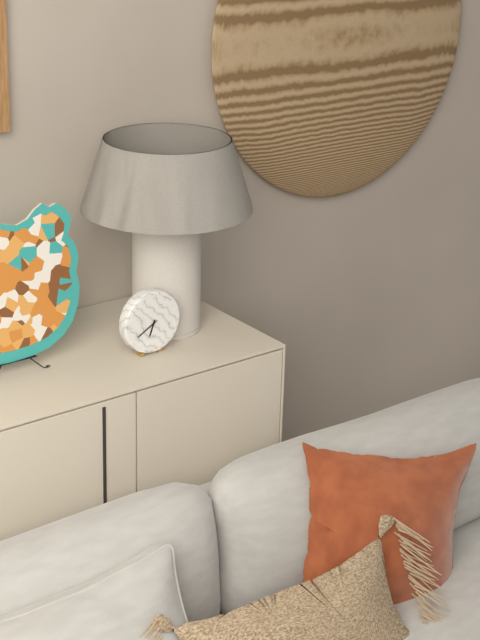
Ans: h=6 m=40
